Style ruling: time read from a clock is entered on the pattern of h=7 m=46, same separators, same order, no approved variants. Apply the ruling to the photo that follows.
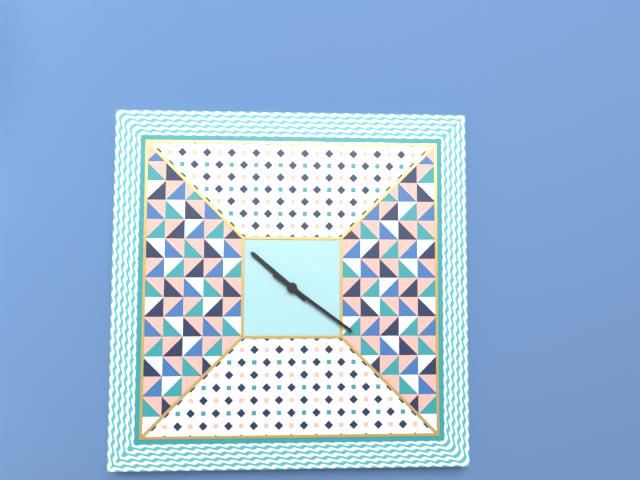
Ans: h=10 m=21
